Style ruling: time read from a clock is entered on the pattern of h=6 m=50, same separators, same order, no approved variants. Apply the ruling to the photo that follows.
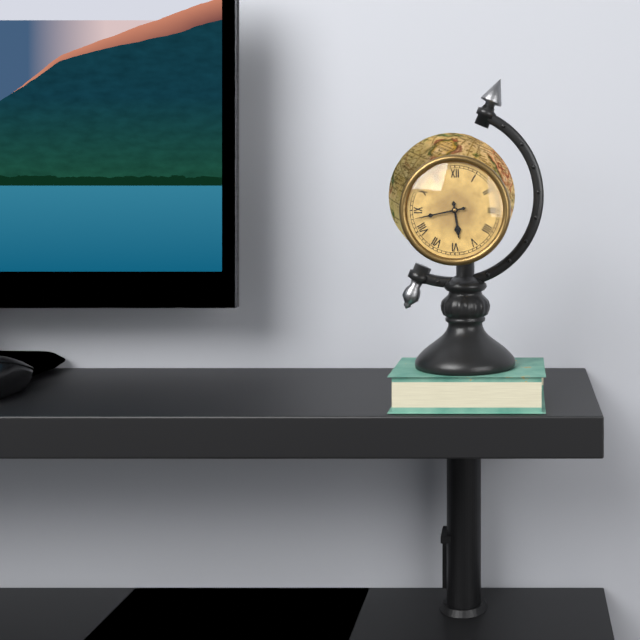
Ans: h=5 m=43
